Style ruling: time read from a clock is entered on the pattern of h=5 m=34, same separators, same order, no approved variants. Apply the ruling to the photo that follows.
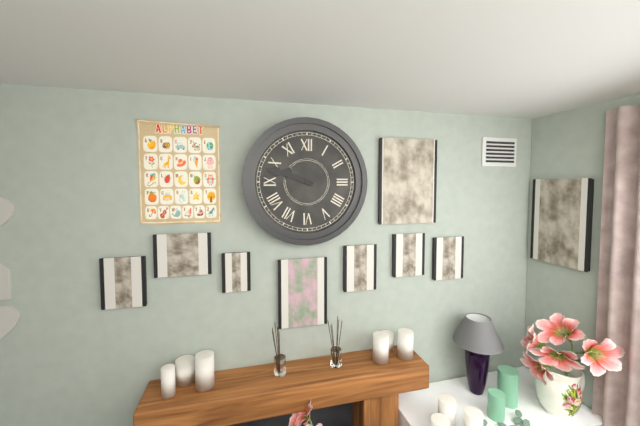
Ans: h=9 m=48
